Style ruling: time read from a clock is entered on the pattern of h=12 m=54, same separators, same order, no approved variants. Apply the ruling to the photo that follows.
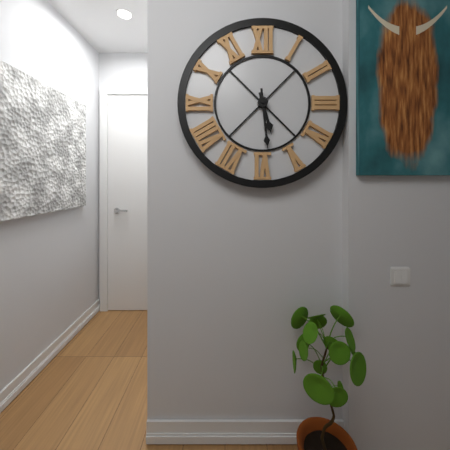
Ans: h=5 m=29
